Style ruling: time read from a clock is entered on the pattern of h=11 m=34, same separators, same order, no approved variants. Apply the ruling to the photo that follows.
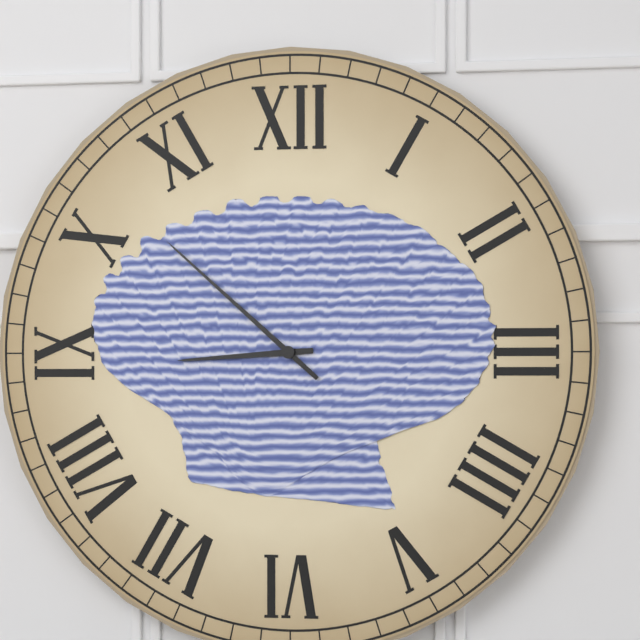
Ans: h=8 m=52
